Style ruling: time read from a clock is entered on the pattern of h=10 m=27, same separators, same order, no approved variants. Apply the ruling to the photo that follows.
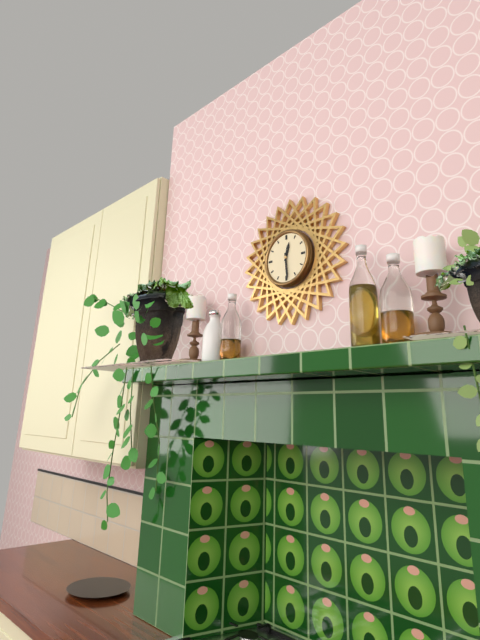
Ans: h=12 m=29
